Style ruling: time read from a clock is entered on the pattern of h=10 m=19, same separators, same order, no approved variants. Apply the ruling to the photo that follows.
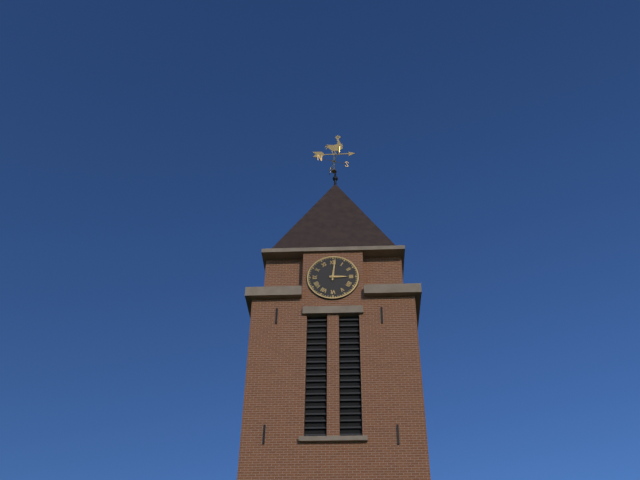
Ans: h=3 m=1
